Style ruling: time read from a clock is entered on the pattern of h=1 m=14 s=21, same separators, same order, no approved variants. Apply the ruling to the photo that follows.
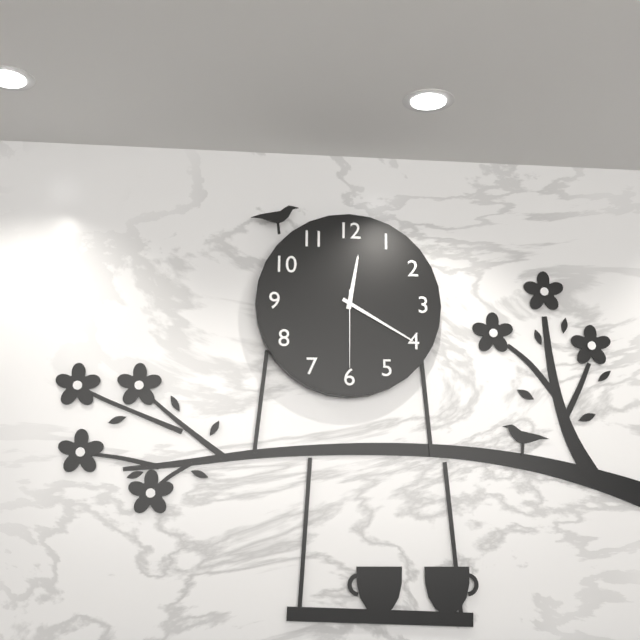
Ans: h=12 m=20 s=30
